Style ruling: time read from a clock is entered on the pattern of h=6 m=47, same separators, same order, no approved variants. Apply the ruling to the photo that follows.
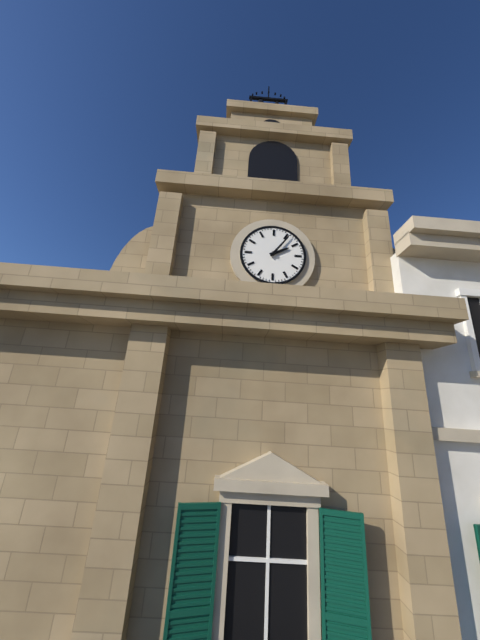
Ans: h=2 m=6
